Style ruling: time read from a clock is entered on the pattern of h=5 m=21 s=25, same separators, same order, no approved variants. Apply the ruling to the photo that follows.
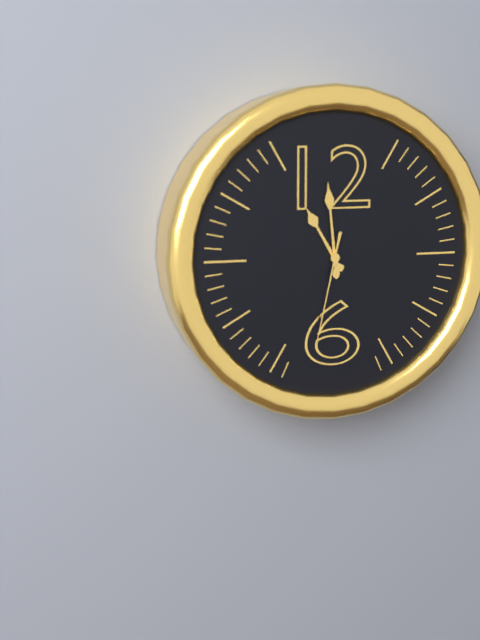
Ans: h=10 m=59 s=32
